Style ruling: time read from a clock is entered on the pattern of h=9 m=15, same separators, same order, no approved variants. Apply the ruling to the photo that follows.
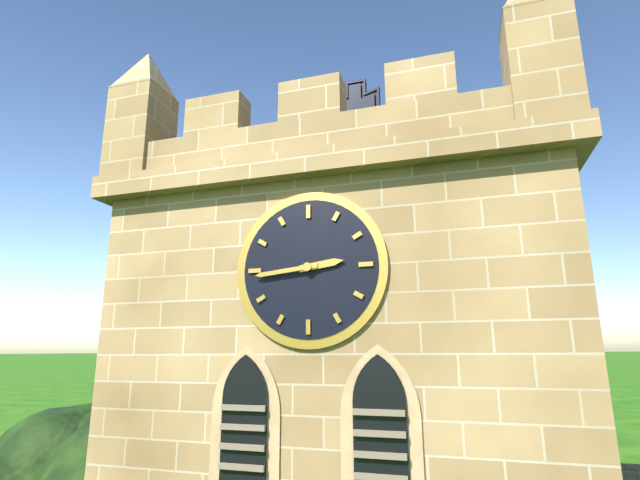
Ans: h=2 m=44
